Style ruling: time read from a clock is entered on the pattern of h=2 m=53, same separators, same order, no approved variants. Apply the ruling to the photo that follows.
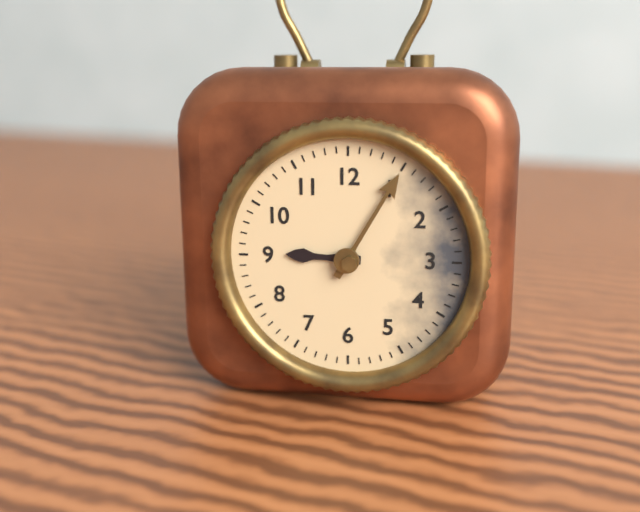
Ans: h=9 m=5
